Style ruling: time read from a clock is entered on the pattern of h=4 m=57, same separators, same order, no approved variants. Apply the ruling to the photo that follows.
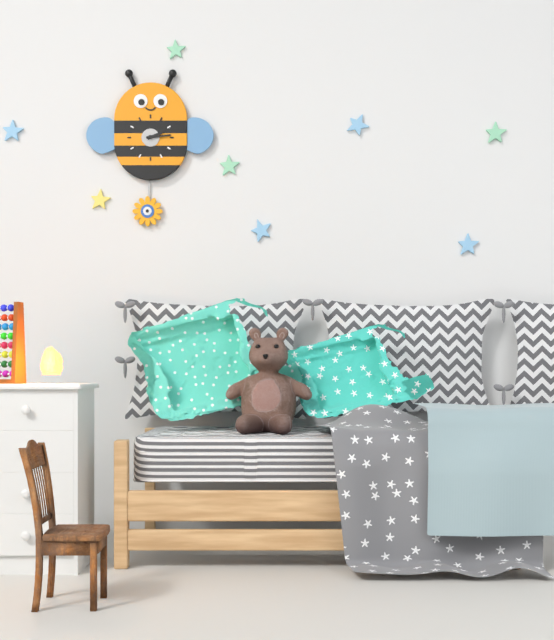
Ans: h=2 m=14
